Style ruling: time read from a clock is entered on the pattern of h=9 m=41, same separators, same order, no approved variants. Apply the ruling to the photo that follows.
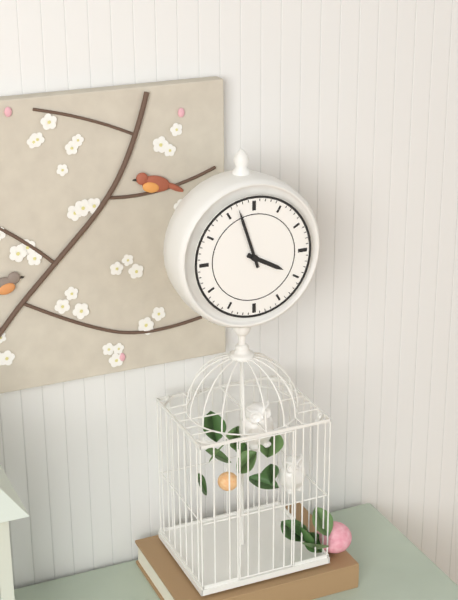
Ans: h=3 m=57
